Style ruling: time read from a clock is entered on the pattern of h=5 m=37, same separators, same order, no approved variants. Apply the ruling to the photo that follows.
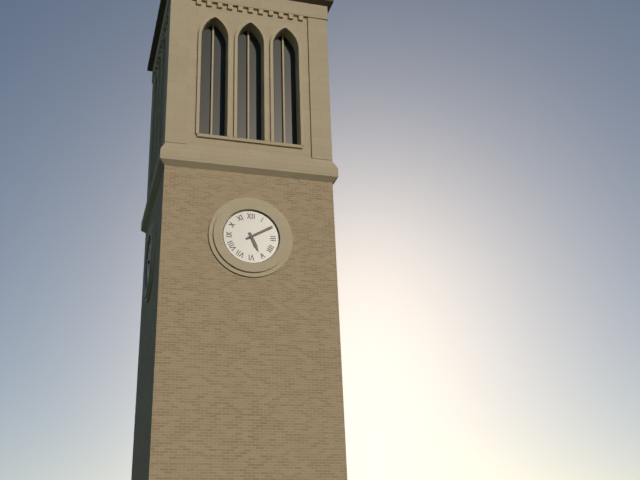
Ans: h=5 m=10
